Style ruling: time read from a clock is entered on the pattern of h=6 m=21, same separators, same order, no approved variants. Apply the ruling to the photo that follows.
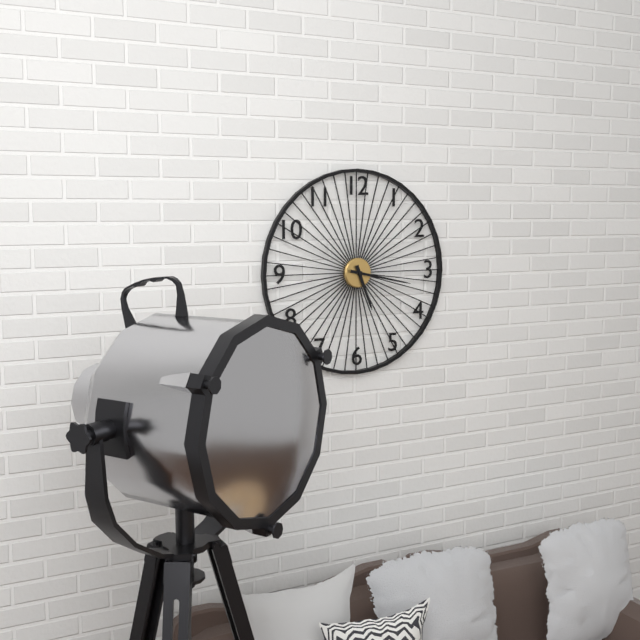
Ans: h=5 m=17
